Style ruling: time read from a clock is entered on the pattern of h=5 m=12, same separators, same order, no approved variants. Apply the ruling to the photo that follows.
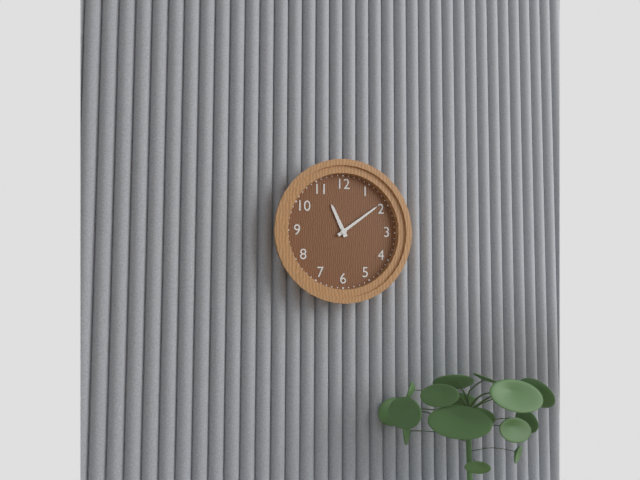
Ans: h=11 m=9
